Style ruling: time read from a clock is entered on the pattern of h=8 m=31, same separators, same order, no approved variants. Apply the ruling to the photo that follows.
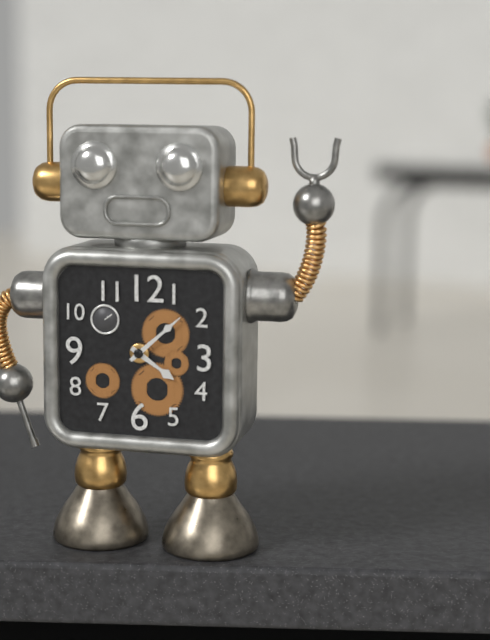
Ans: h=4 m=8
